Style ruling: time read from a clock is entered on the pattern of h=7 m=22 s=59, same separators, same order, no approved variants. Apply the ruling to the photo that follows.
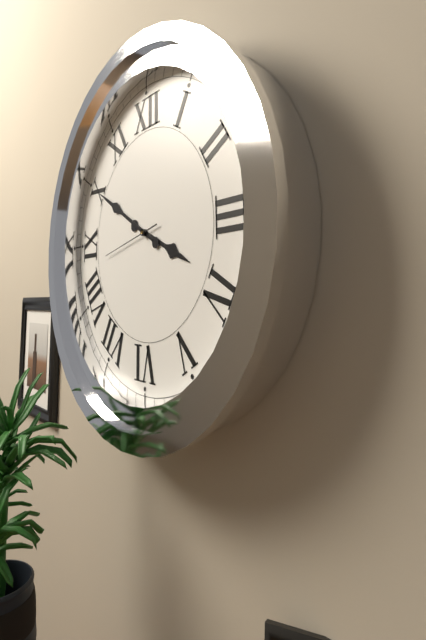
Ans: h=3 m=50 s=43
